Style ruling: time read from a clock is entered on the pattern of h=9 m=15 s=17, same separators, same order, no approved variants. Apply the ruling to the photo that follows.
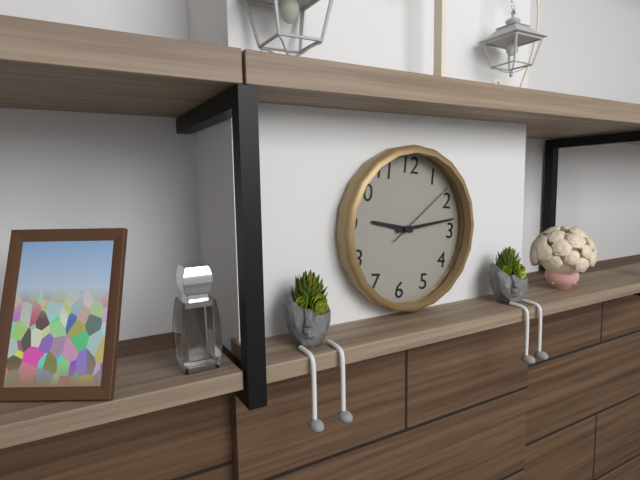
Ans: h=9 m=13 s=8
